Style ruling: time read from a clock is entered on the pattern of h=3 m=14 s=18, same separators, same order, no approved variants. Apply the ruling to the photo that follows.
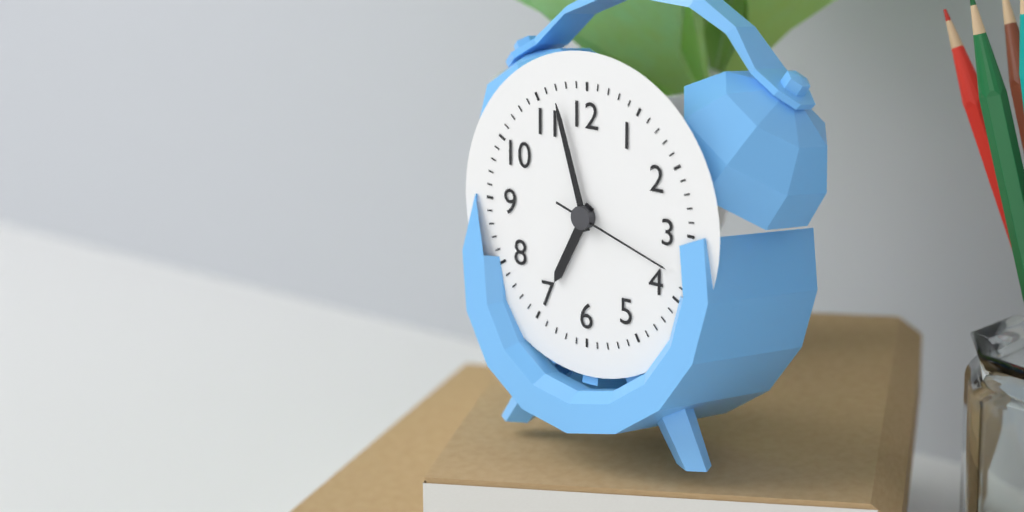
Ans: h=6 m=57 s=18
